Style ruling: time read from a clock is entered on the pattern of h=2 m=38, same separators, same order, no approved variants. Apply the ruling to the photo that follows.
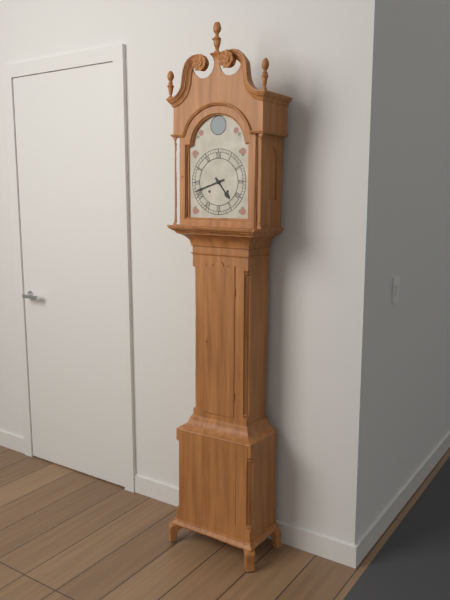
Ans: h=4 m=42
